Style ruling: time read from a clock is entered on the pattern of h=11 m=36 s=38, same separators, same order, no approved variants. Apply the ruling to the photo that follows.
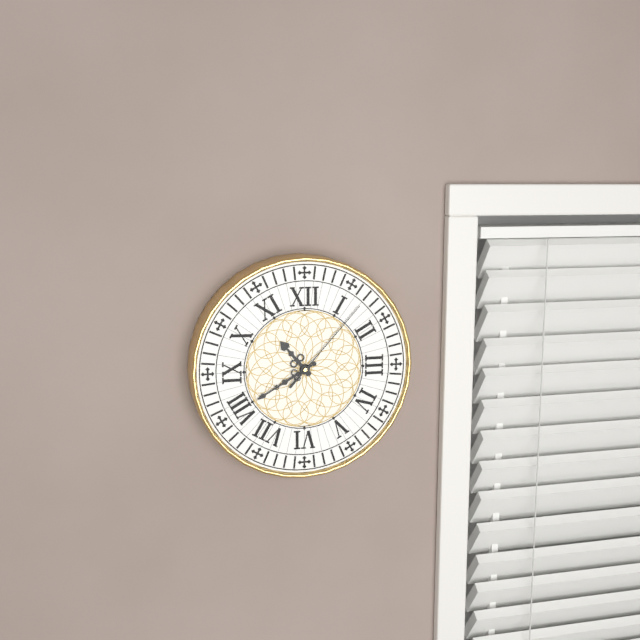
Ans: h=10 m=40 s=7
